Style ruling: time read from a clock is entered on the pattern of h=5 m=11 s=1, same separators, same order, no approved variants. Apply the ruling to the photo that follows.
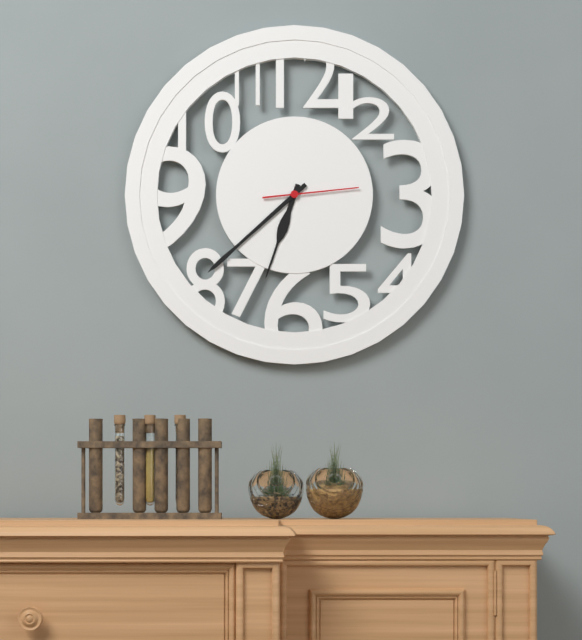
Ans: h=6 m=38 s=14
